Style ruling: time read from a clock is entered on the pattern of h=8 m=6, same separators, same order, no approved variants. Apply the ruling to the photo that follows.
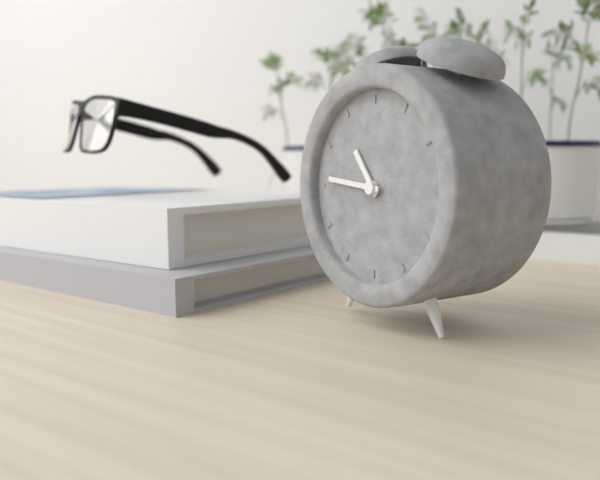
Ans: h=10 m=46
